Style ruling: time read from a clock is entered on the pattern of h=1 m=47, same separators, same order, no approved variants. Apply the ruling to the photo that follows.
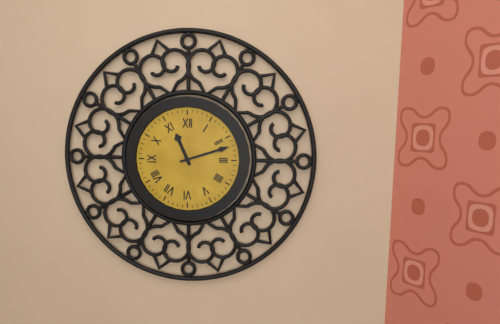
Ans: h=11 m=12
